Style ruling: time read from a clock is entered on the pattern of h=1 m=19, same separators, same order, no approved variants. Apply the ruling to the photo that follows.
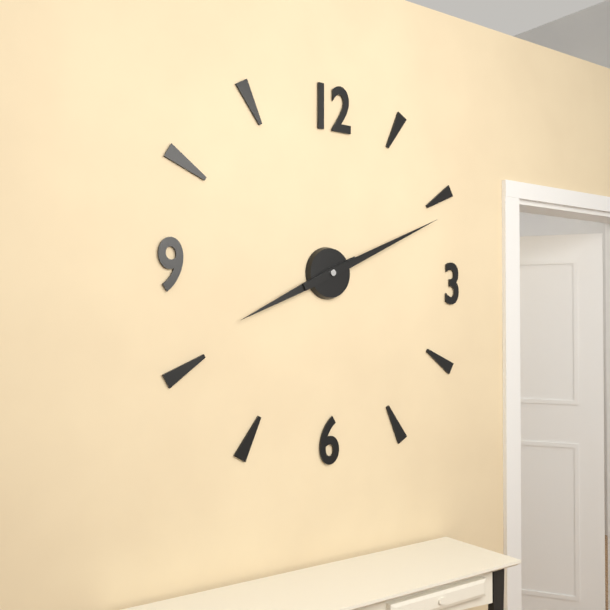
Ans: h=8 m=11
